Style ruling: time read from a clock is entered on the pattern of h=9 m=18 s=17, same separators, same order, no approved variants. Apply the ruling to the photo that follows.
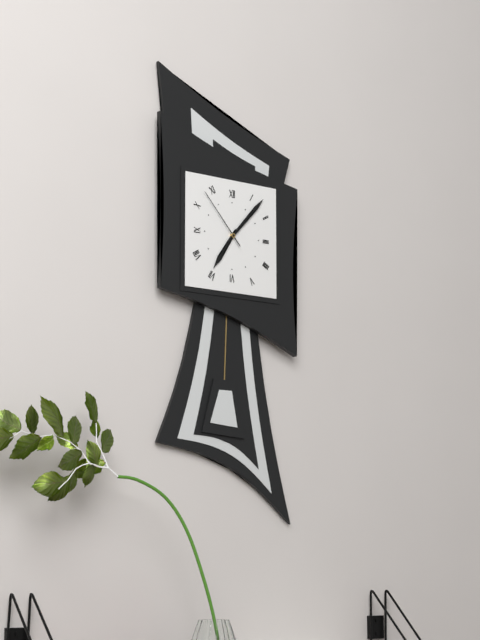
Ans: h=7 m=7 s=53
